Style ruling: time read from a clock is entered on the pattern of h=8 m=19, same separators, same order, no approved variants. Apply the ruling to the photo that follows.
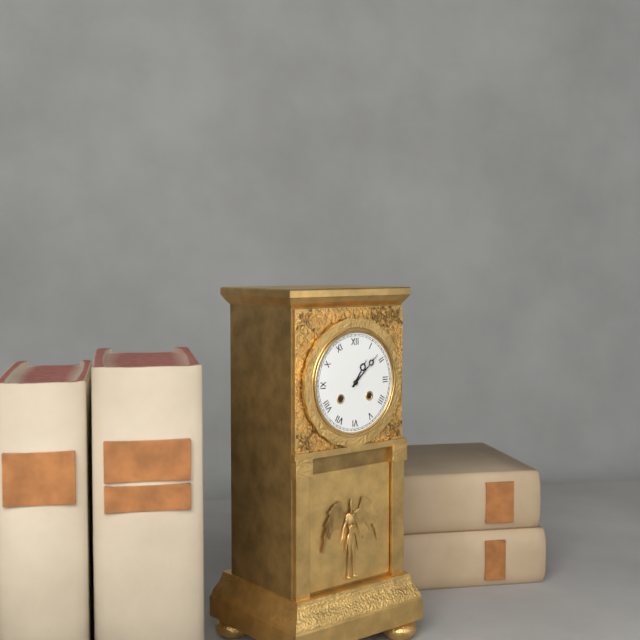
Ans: h=1 m=8
